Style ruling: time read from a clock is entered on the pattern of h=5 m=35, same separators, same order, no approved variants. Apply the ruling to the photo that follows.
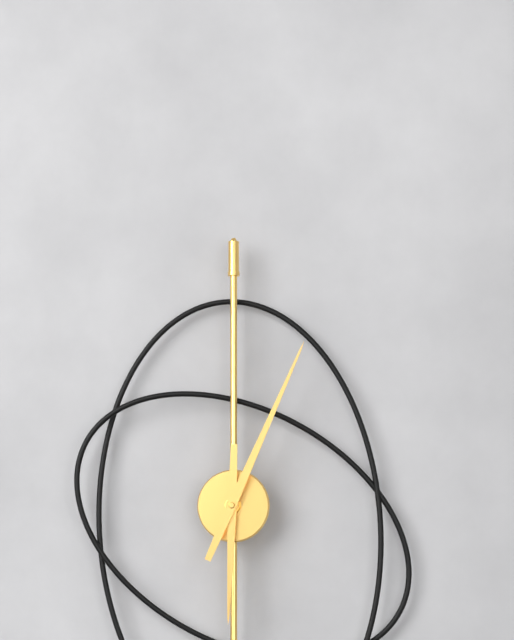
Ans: h=6 m=4
